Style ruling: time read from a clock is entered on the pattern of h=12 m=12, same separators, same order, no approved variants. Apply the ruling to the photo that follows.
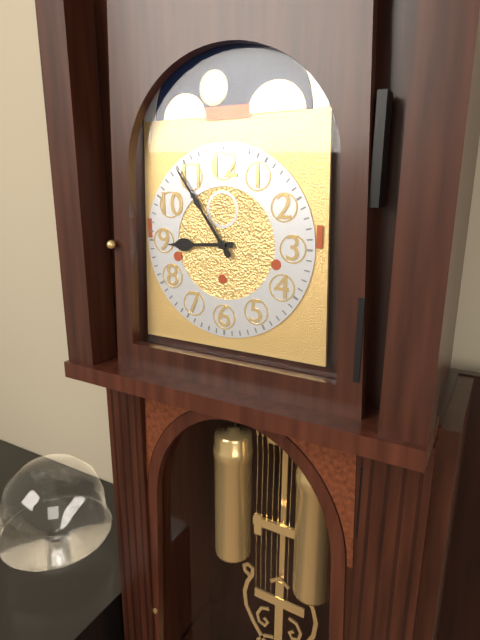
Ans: h=8 m=54
